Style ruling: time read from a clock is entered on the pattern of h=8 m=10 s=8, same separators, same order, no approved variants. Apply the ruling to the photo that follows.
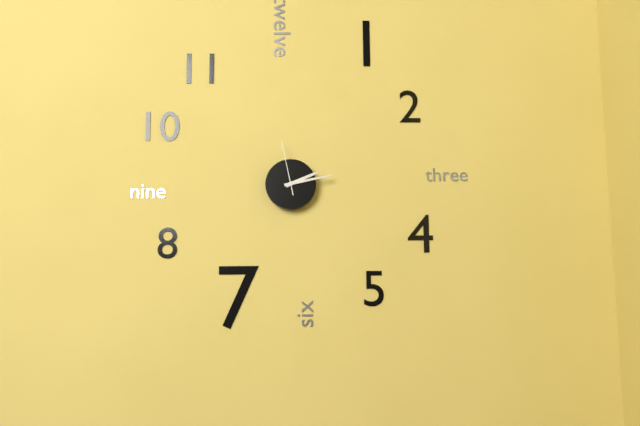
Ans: h=2 m=13 s=58
